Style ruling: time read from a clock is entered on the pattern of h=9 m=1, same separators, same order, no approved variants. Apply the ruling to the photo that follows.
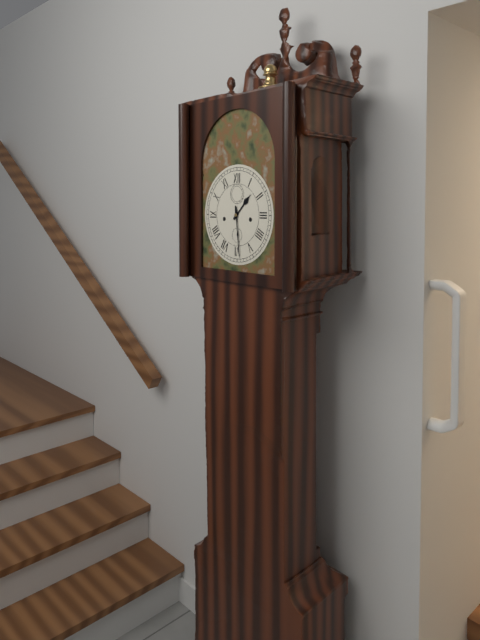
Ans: h=1 m=29
